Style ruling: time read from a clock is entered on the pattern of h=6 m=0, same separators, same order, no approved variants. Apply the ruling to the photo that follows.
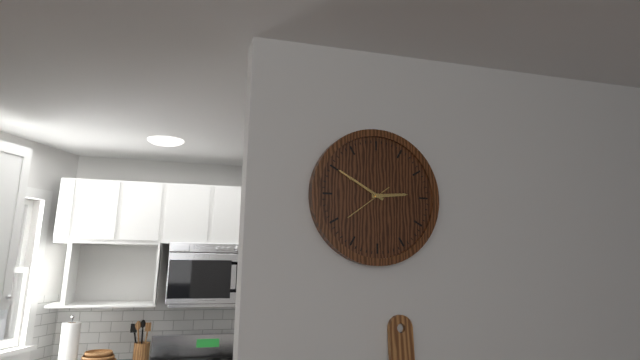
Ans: h=2 m=50
